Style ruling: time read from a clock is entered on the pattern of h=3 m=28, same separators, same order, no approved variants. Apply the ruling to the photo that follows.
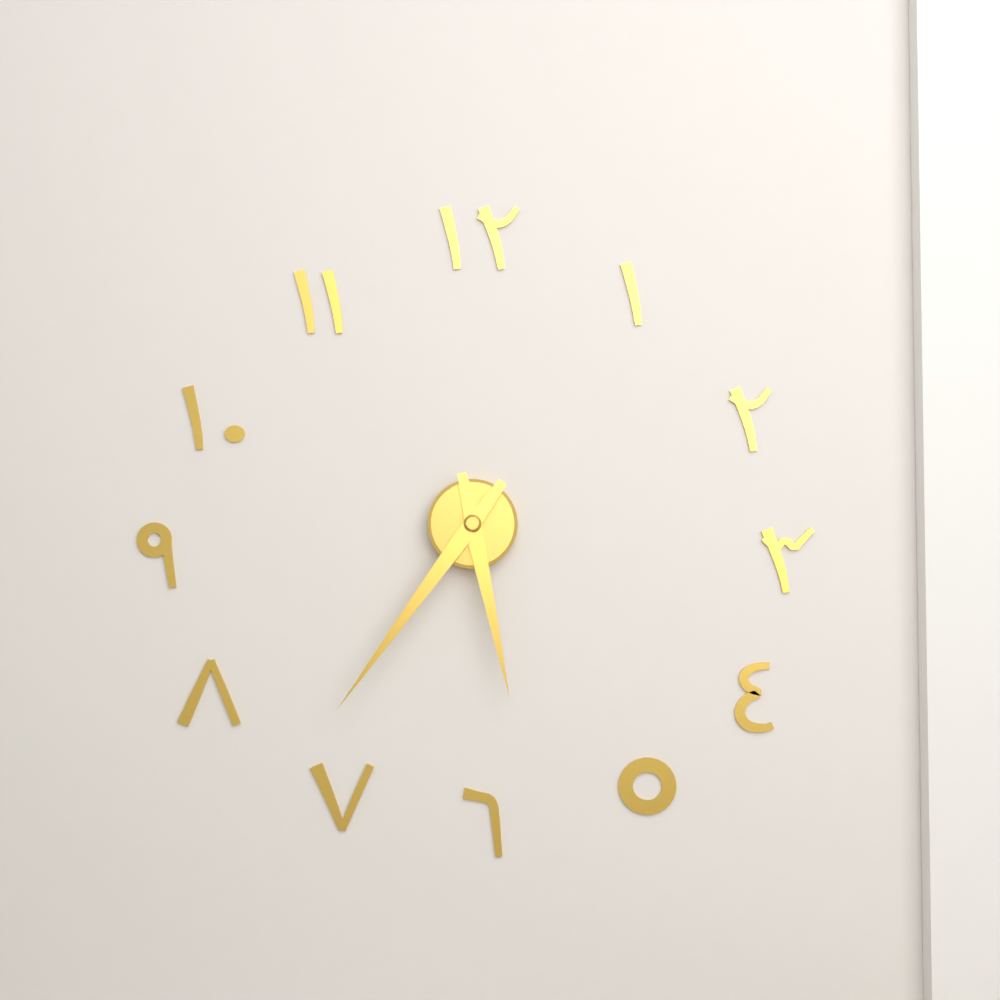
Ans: h=5 m=36
